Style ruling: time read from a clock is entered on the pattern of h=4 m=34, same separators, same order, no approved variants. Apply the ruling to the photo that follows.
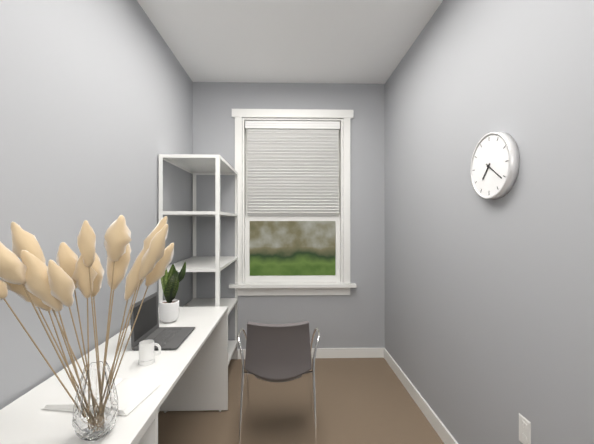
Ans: h=7 m=21
